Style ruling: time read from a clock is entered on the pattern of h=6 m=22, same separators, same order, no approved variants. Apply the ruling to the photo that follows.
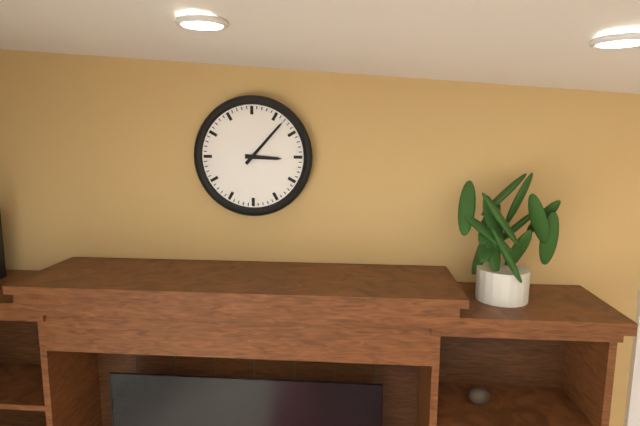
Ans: h=3 m=7
